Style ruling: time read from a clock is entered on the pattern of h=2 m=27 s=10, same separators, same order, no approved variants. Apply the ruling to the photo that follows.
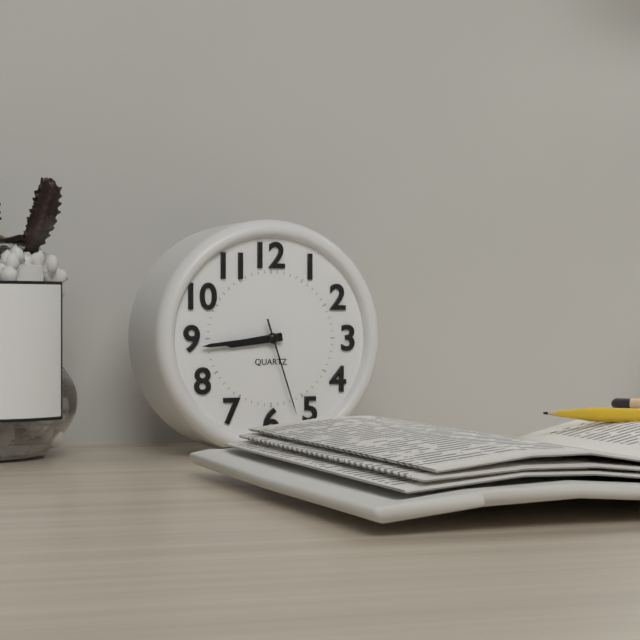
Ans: h=8 m=44 s=27
